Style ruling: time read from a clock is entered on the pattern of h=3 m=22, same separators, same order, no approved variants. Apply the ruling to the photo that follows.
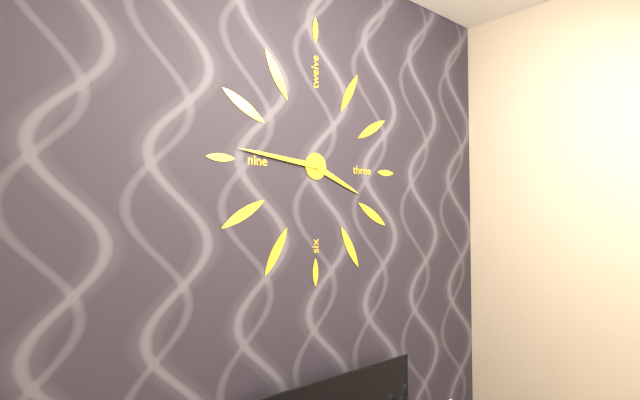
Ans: h=3 m=46
